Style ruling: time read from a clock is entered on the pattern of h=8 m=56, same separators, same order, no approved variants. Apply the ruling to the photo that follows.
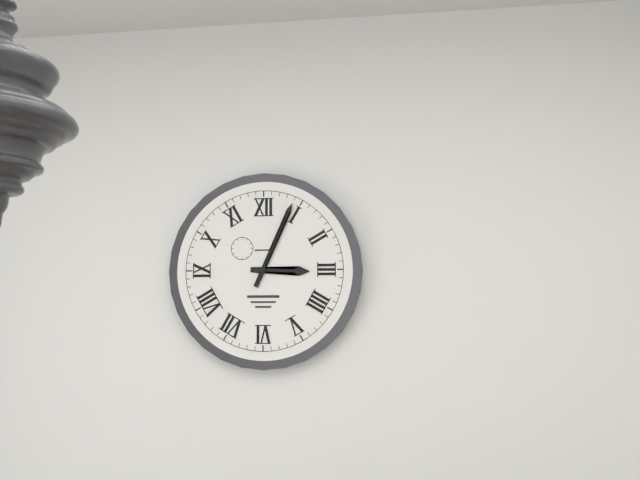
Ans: h=3 m=4
